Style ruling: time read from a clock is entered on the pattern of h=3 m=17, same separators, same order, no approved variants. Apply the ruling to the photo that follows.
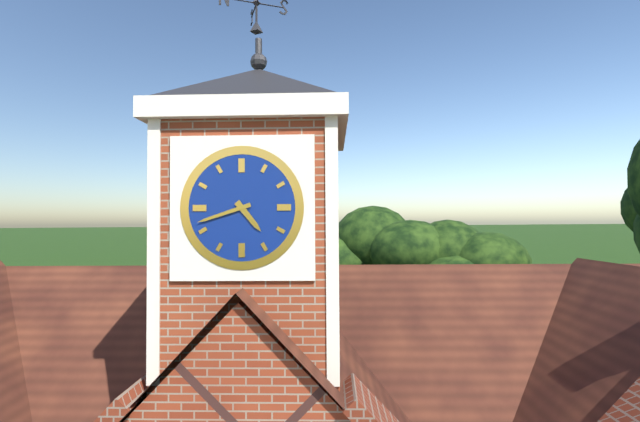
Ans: h=4 m=42
